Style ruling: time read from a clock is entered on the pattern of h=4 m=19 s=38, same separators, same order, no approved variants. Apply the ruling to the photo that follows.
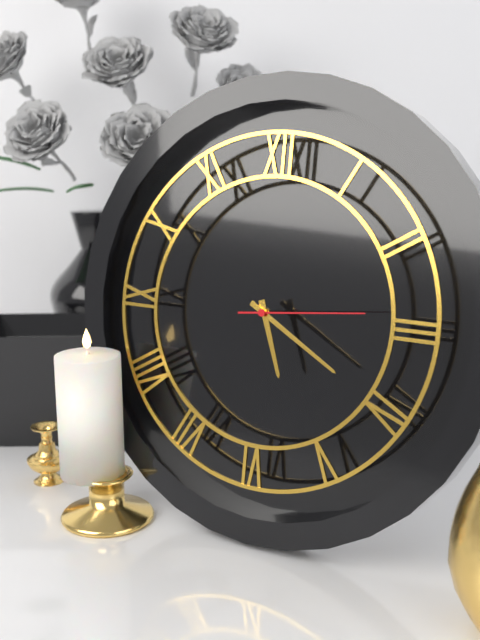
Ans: h=5 m=20 s=14
